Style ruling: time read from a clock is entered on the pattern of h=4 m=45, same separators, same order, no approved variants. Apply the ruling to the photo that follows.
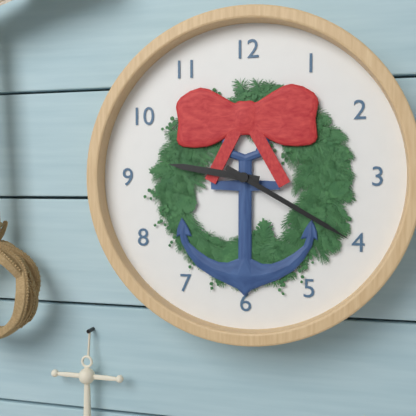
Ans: h=9 m=20
